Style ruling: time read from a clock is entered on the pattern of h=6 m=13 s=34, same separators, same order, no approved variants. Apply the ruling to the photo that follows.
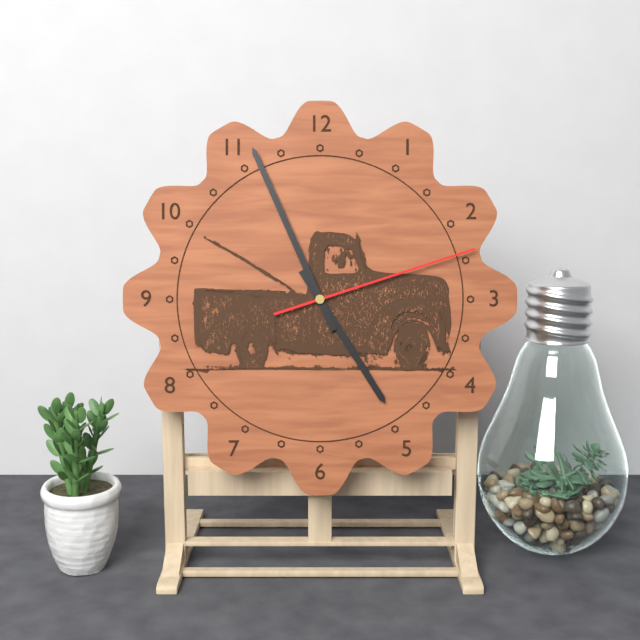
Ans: h=4 m=56 s=12
